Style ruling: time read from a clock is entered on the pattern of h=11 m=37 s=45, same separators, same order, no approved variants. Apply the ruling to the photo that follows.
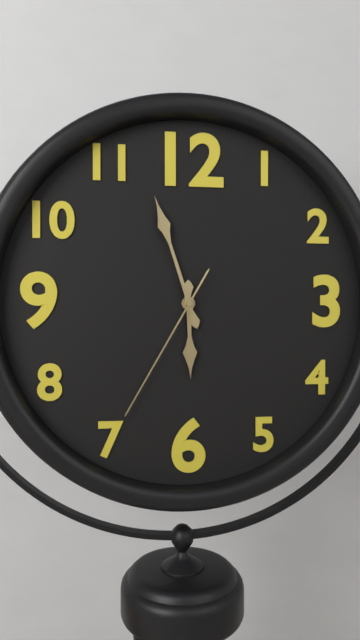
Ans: h=5 m=57 s=35
